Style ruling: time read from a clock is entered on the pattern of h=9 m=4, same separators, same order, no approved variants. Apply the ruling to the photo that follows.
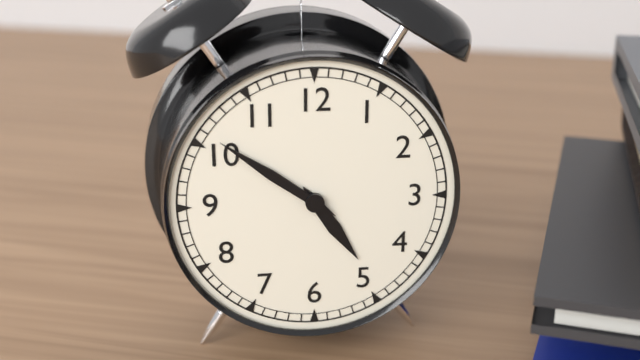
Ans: h=4 m=51
